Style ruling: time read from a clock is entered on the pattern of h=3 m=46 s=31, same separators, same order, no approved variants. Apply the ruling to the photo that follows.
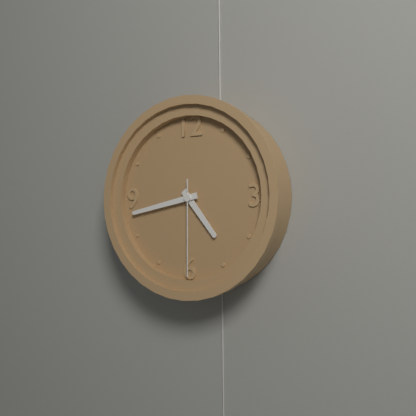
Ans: h=4 m=43 s=30
